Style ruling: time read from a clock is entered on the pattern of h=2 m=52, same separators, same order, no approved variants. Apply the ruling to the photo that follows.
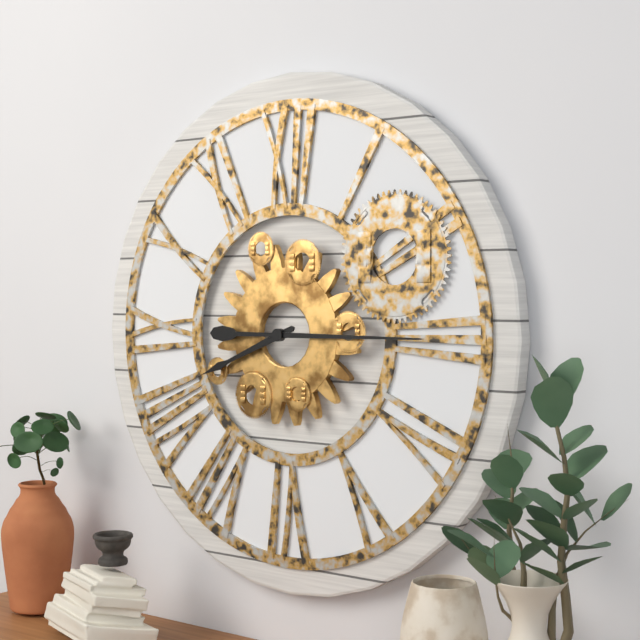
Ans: h=8 m=15
